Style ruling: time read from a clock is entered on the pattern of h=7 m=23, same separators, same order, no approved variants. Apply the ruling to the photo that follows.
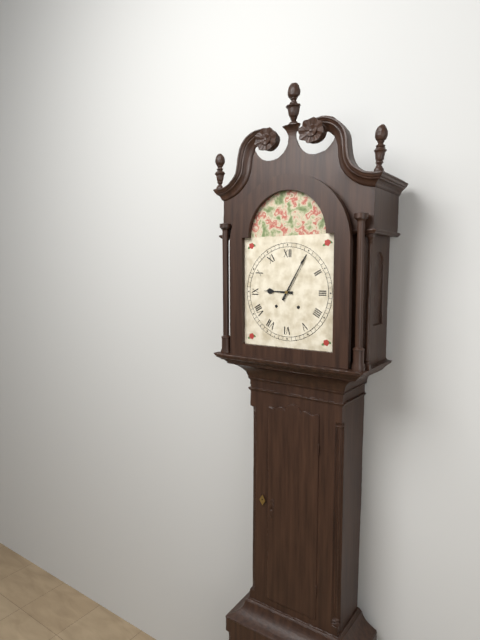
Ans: h=9 m=5
